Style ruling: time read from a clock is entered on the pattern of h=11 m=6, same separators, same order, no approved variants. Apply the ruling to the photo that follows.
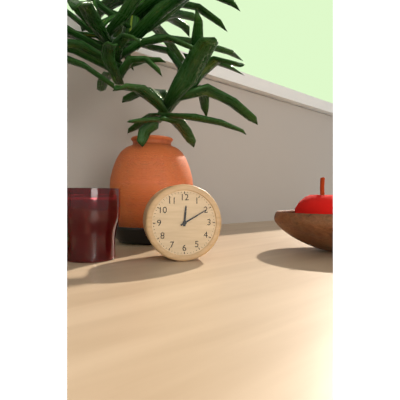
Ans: h=12 m=10
